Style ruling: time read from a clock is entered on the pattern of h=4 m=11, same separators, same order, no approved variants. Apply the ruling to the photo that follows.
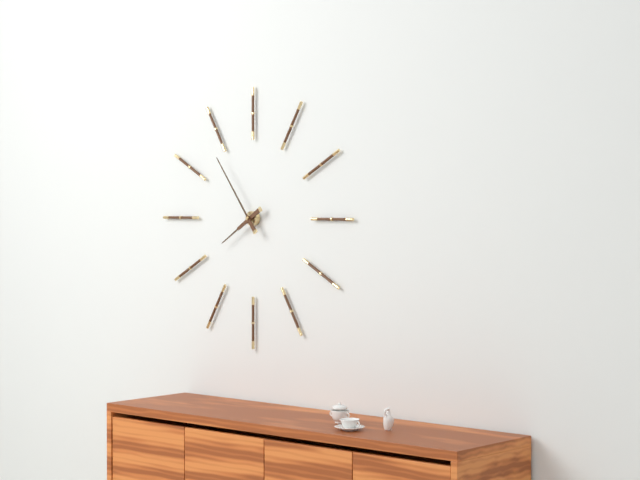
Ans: h=7 m=54
